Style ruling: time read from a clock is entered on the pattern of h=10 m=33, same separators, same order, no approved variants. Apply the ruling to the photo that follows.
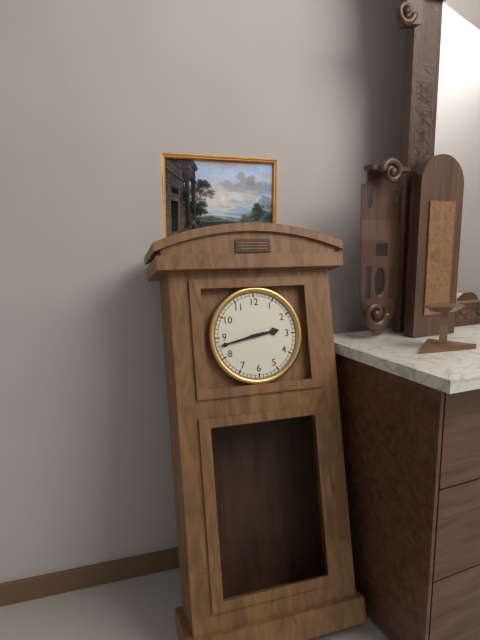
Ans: h=2 m=43
